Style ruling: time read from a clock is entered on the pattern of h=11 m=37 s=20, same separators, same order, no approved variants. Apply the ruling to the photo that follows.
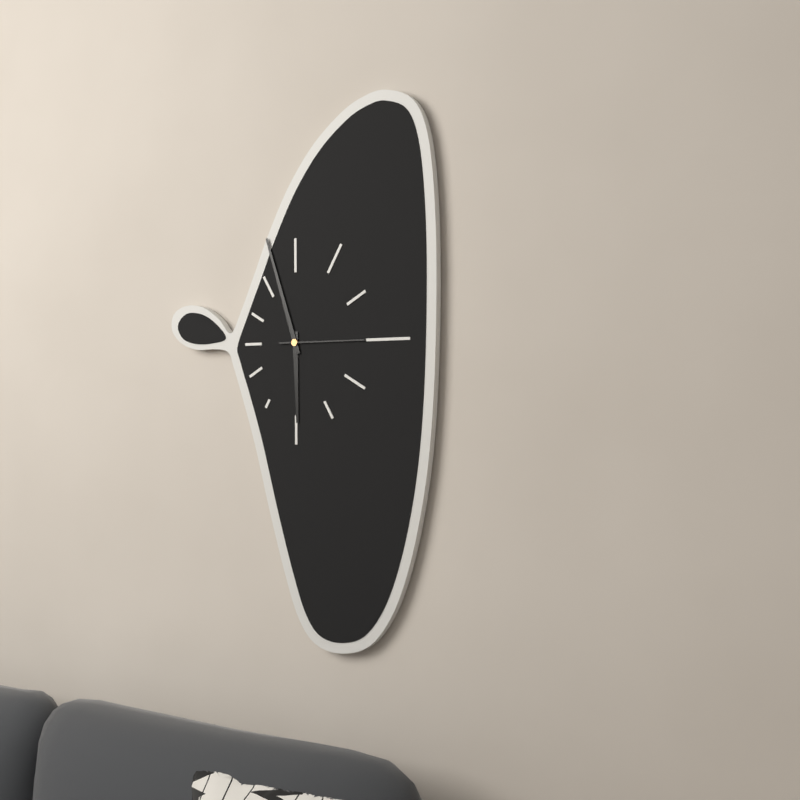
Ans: h=5 m=57 s=15
